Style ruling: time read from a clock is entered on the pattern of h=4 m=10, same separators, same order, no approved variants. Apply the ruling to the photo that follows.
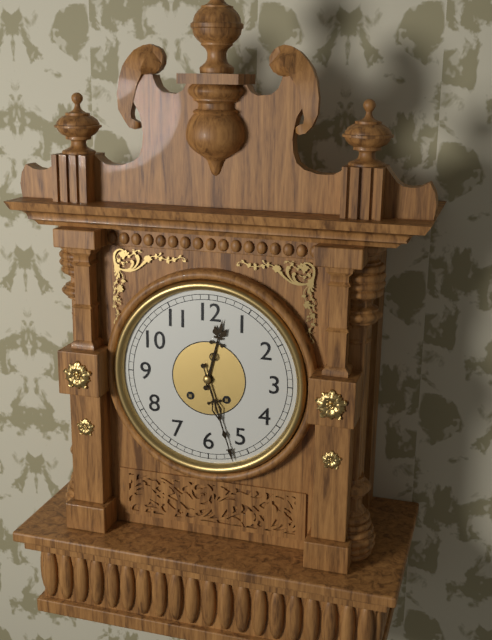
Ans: h=12 m=27
